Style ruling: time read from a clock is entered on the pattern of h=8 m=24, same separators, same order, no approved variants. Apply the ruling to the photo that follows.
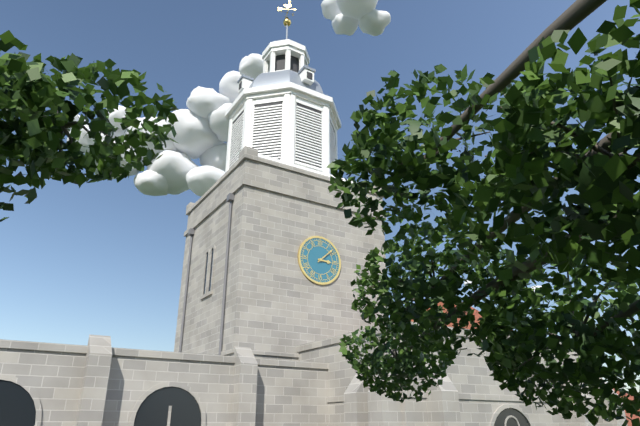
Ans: h=3 m=8
